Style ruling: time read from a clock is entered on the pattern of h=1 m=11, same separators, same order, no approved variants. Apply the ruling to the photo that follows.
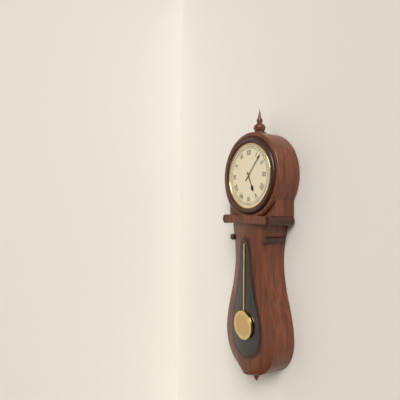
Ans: h=5 m=7
